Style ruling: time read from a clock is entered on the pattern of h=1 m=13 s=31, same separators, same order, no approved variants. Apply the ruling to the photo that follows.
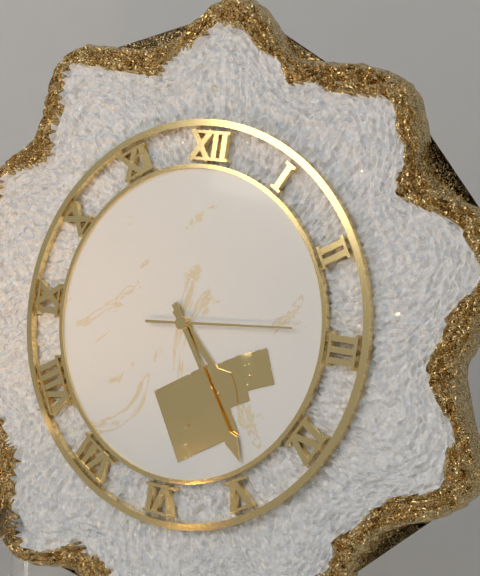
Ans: h=4 m=24 s=14
